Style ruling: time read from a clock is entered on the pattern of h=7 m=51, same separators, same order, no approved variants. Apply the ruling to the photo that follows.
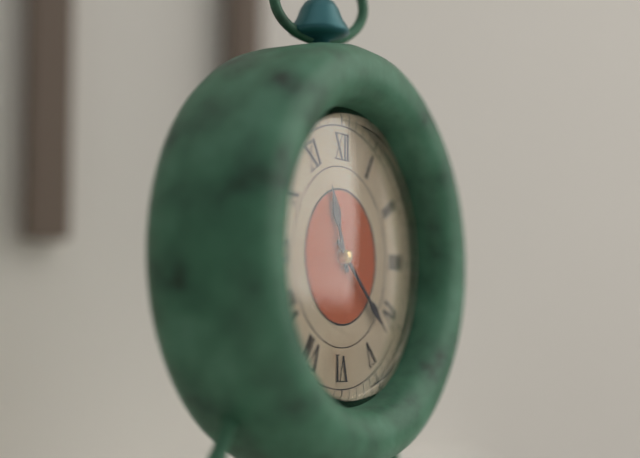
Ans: h=11 m=22
